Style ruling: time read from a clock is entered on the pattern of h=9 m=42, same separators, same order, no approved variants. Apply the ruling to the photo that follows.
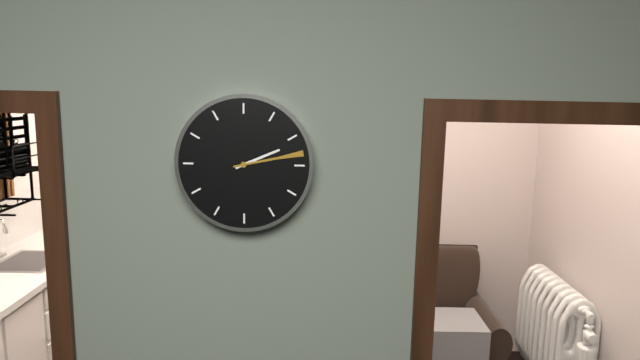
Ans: h=2 m=13
